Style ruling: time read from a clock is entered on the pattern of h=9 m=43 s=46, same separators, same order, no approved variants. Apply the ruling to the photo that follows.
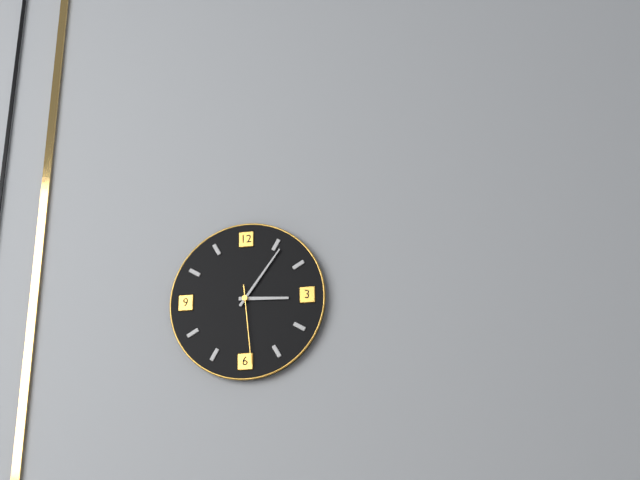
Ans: h=3 m=6 s=29
